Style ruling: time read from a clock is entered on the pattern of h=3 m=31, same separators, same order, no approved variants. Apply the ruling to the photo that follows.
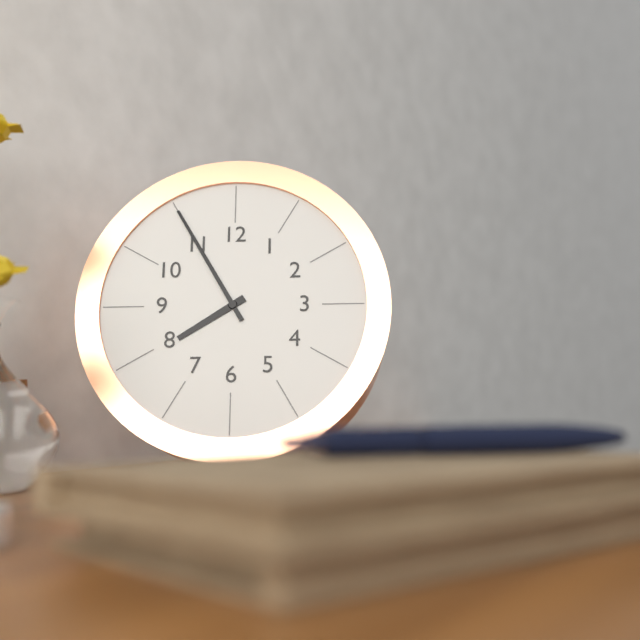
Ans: h=7 m=55
